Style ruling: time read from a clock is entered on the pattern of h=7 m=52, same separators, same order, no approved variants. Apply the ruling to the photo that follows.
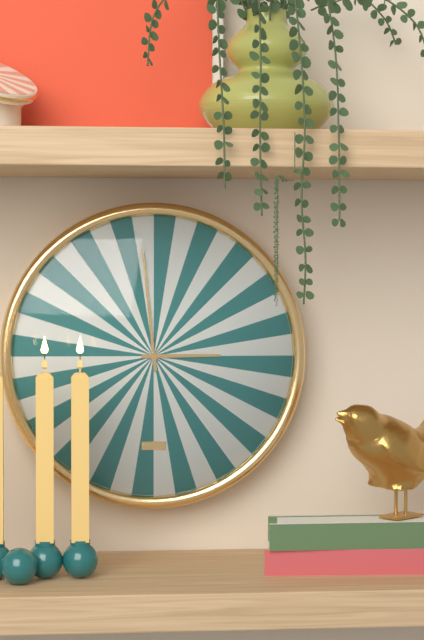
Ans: h=2 m=59
